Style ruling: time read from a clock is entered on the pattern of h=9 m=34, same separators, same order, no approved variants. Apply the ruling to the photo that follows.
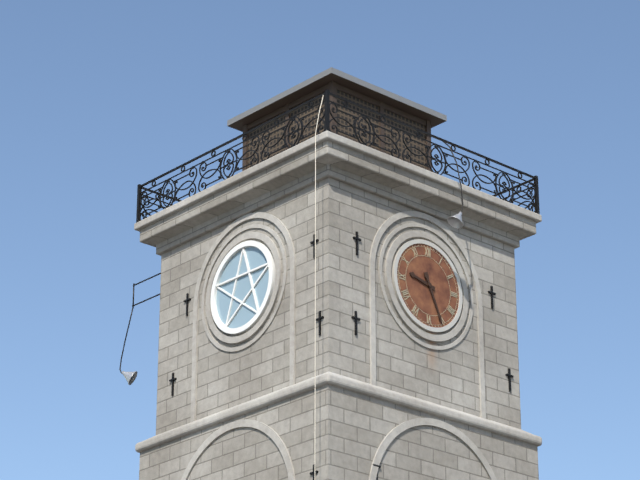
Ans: h=9 m=26
